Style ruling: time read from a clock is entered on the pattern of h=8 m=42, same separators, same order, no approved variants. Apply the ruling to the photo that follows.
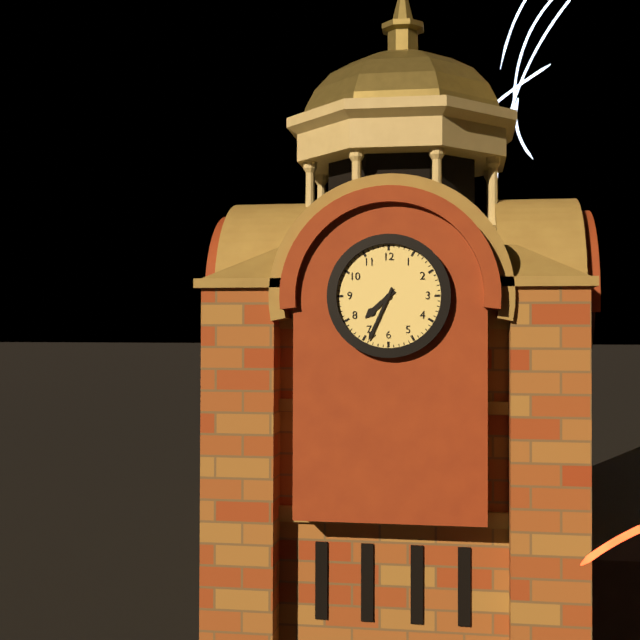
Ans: h=7 m=34
